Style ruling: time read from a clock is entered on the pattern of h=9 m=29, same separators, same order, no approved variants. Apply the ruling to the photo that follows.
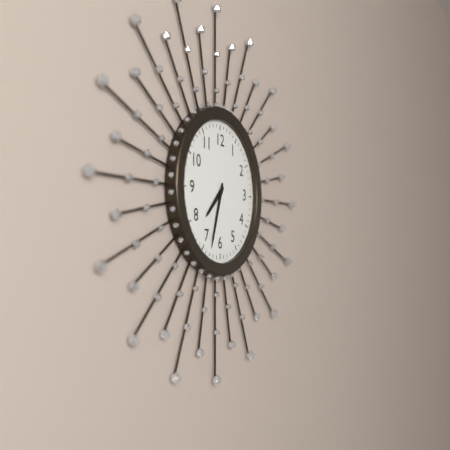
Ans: h=7 m=33
